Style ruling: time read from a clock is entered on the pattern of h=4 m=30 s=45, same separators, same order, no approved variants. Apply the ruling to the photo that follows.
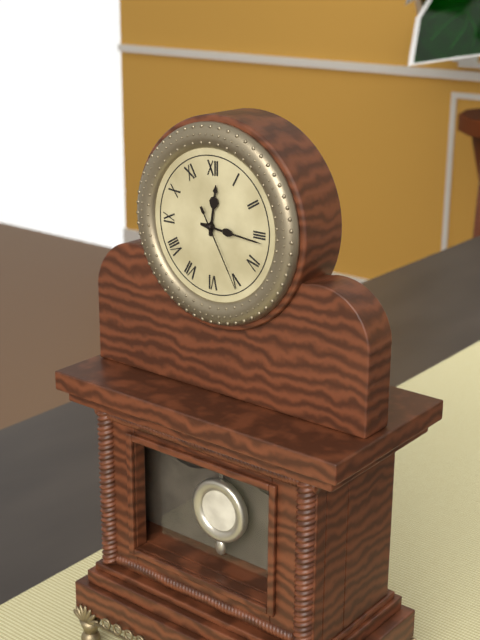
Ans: h=12 m=16 s=25
